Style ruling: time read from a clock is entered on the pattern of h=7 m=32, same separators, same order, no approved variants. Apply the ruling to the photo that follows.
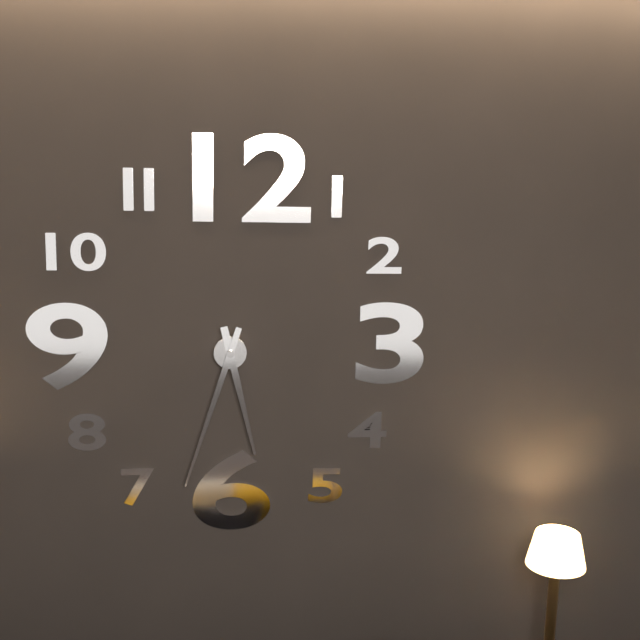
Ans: h=5 m=33
